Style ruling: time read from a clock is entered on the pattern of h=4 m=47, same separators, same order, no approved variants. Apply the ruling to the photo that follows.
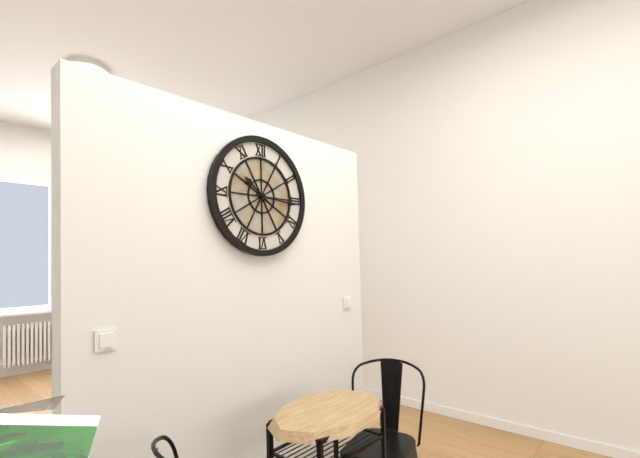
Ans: h=10 m=16
